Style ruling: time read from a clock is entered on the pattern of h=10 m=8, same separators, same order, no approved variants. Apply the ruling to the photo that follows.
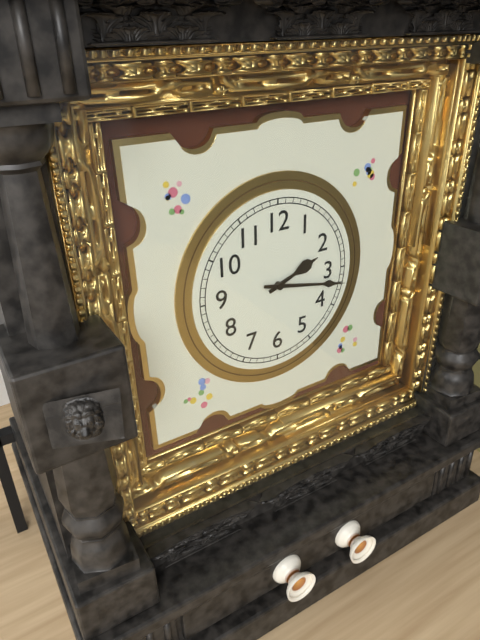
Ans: h=2 m=17
